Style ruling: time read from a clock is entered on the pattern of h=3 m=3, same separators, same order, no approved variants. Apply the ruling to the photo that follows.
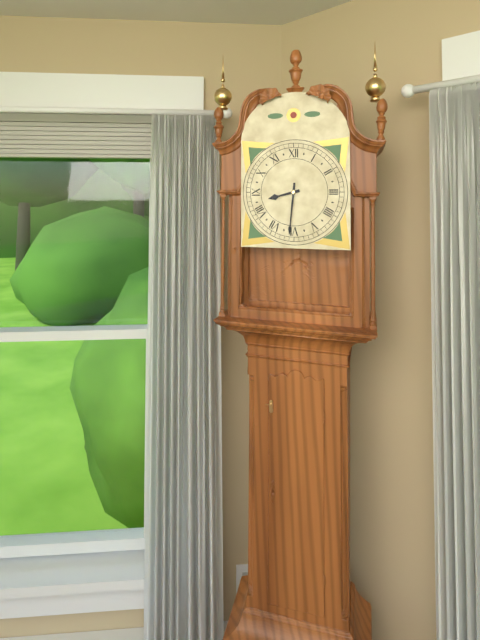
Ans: h=8 m=31
